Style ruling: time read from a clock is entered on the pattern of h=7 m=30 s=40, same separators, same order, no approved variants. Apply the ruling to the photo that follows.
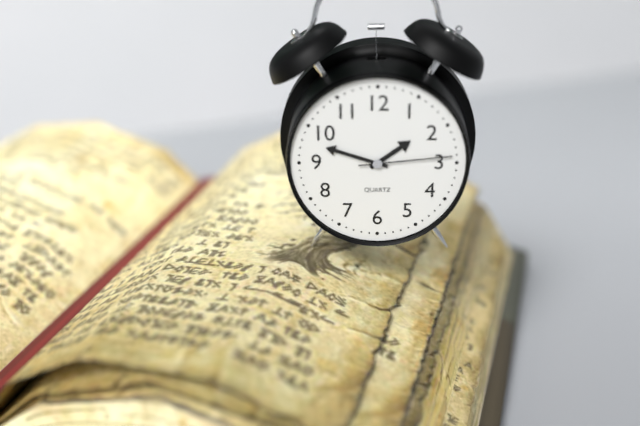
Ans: h=1 m=48 s=14
